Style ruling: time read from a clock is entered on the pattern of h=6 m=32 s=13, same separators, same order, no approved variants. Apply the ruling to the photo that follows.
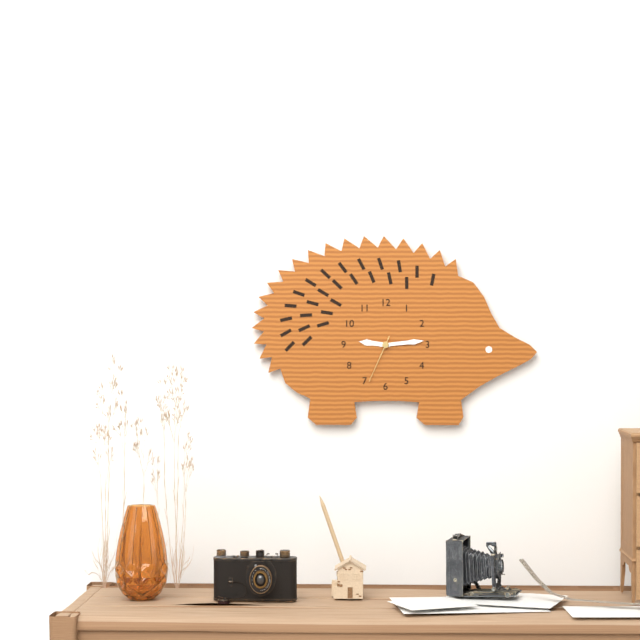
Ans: h=9 m=14 s=34
